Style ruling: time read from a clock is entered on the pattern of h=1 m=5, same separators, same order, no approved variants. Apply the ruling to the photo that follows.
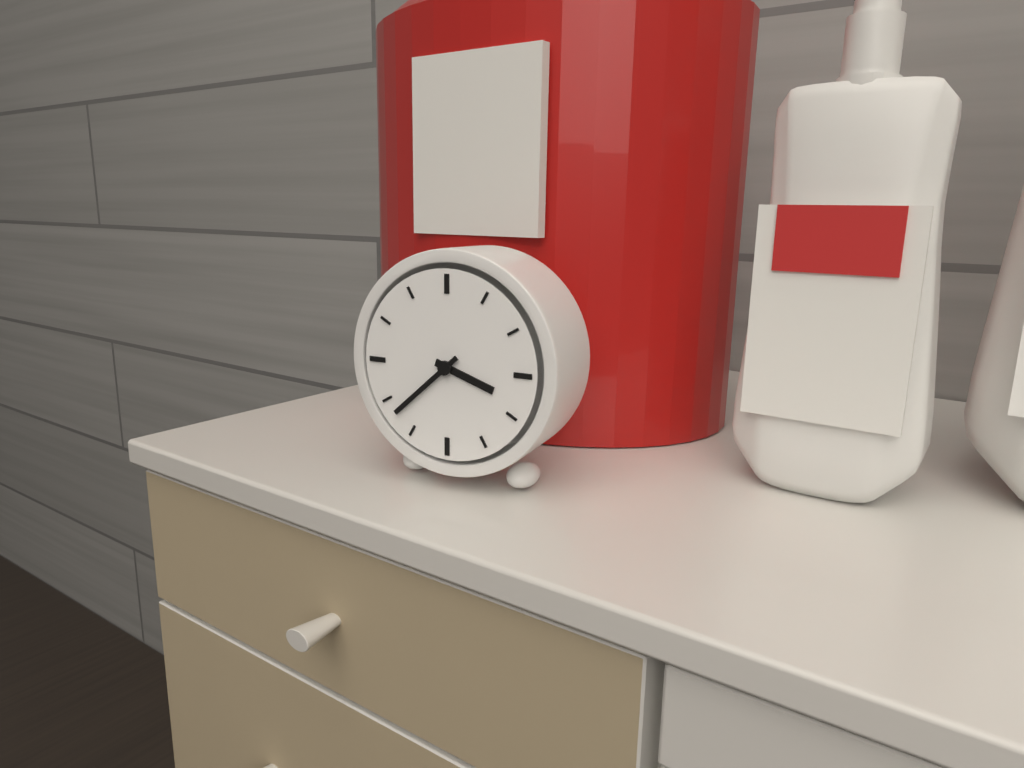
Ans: h=3 m=38
